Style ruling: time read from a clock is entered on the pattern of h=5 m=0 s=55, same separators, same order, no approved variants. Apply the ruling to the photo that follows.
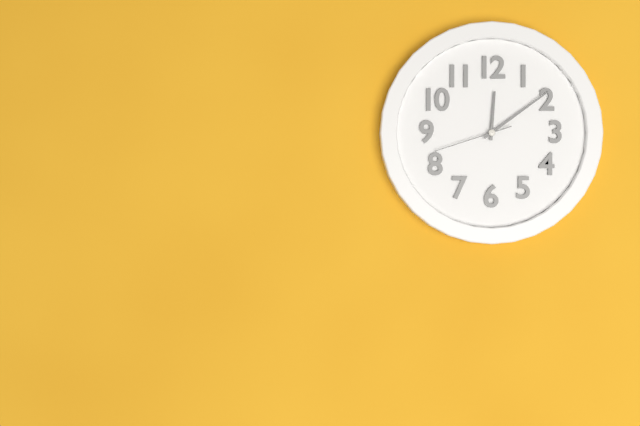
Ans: h=12 m=9 s=42
